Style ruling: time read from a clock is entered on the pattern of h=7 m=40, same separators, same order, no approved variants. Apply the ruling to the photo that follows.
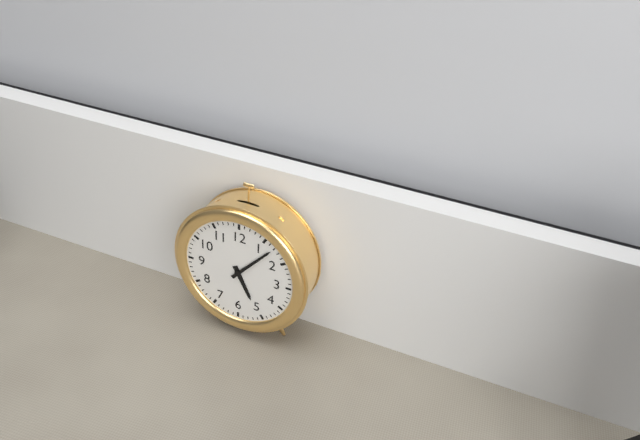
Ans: h=5 m=7
